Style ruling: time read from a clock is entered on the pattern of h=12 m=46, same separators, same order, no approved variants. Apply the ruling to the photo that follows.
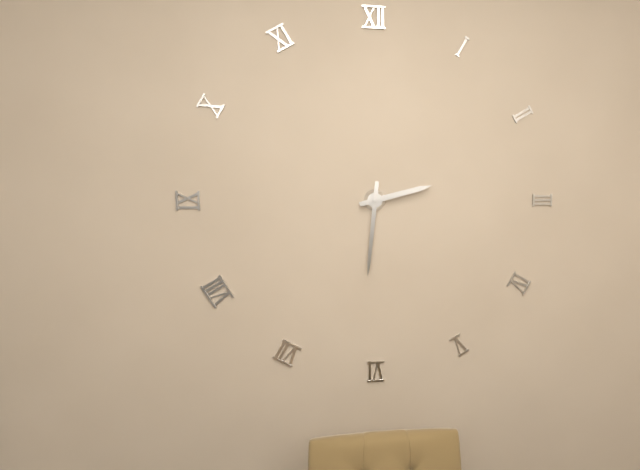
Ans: h=2 m=31
